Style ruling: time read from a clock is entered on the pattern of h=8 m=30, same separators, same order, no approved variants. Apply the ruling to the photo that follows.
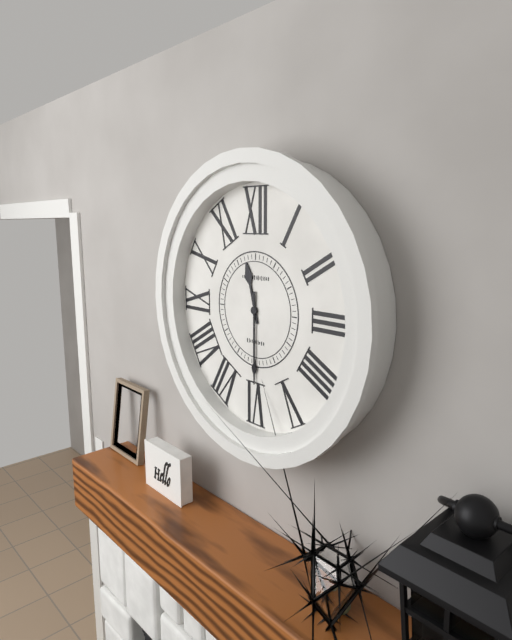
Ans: h=11 m=30
